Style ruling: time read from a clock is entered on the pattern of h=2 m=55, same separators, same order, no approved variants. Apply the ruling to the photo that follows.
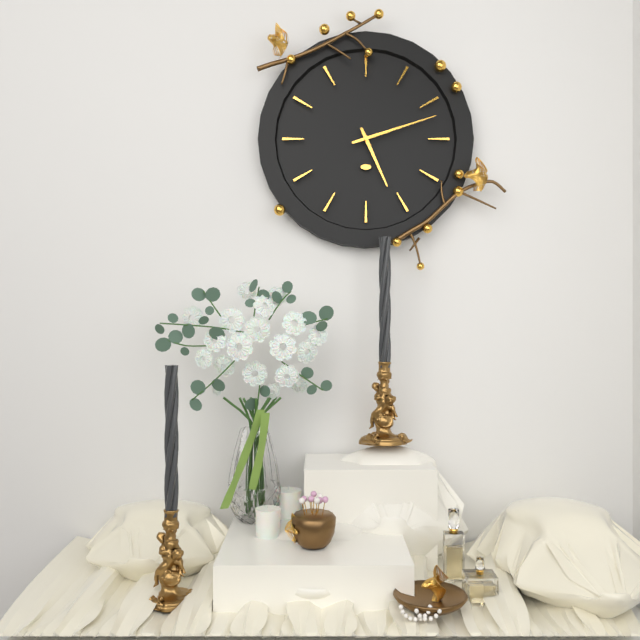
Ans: h=5 m=12
